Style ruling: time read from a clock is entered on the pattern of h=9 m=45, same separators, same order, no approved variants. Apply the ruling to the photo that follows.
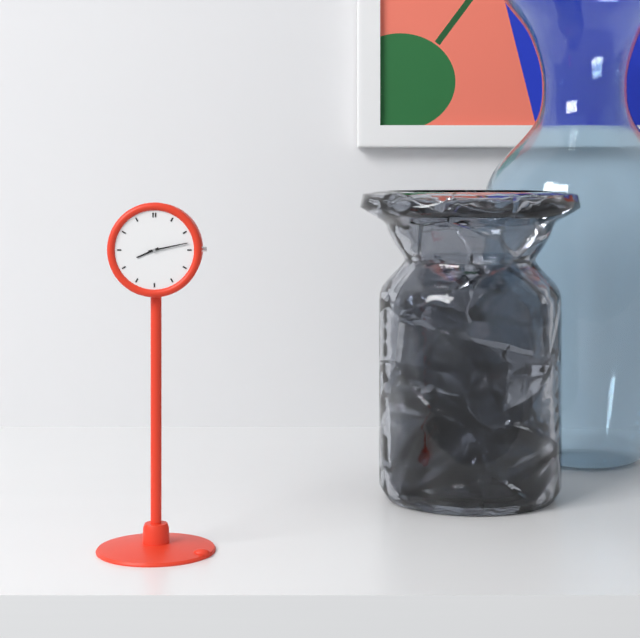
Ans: h=8 m=13
